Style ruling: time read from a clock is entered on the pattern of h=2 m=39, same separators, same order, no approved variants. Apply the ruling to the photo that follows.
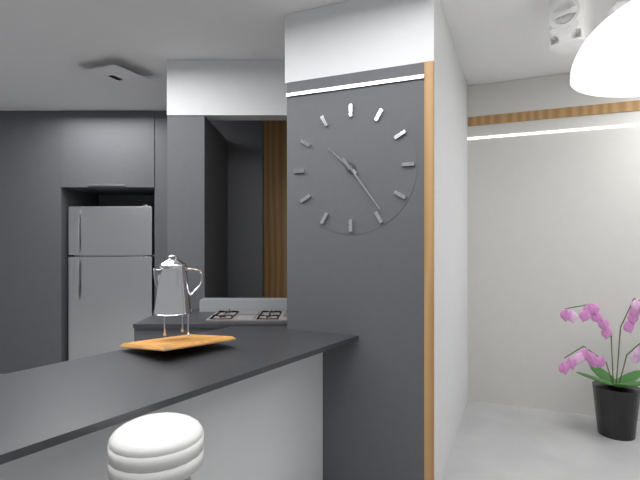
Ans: h=10 m=24
